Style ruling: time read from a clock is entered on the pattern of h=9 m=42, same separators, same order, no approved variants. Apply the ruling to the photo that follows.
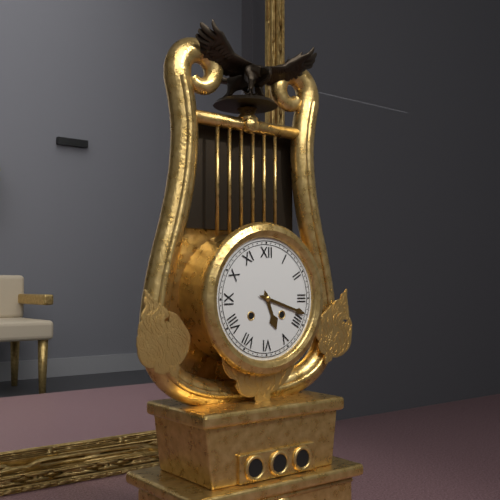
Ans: h=5 m=18
